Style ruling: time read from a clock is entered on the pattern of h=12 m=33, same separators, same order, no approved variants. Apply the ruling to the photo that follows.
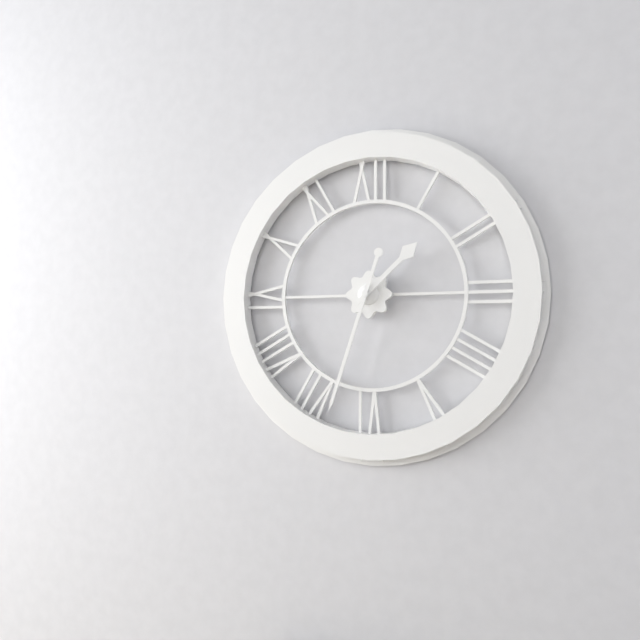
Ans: h=1 m=33
